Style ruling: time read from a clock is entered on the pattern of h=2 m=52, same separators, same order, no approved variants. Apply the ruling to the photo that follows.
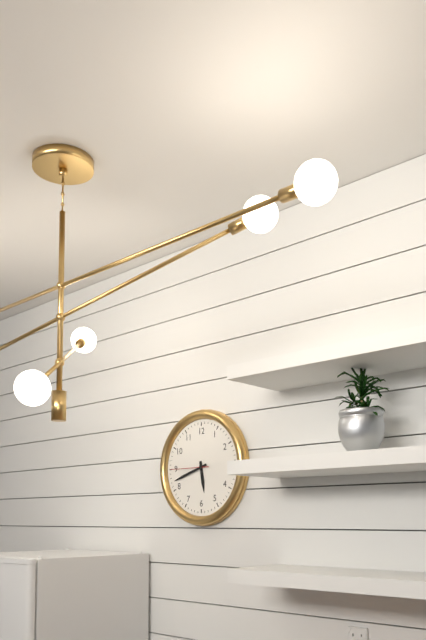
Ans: h=5 m=42
